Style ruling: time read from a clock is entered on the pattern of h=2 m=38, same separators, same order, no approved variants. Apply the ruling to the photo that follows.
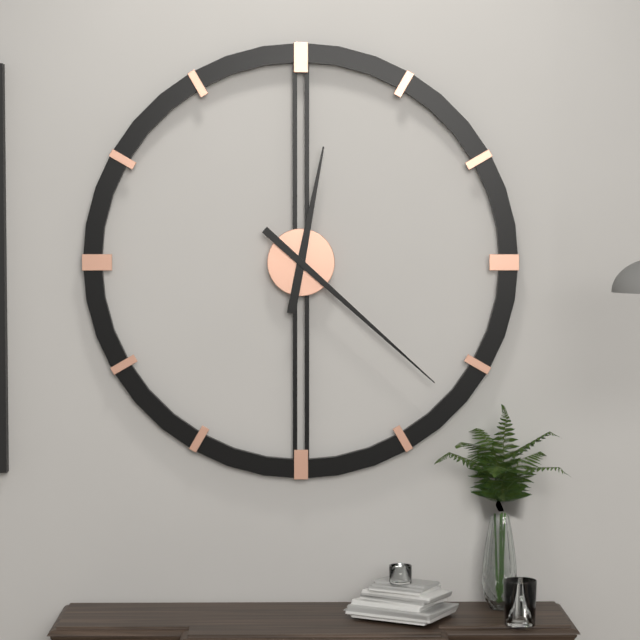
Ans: h=12 m=22
